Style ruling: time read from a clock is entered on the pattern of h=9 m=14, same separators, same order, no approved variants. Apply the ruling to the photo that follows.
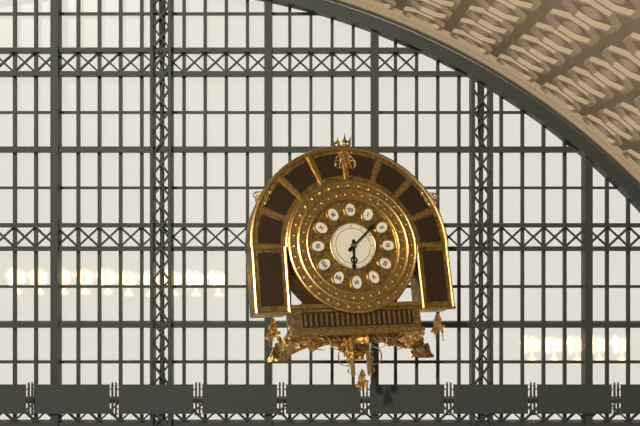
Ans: h=6 m=8
